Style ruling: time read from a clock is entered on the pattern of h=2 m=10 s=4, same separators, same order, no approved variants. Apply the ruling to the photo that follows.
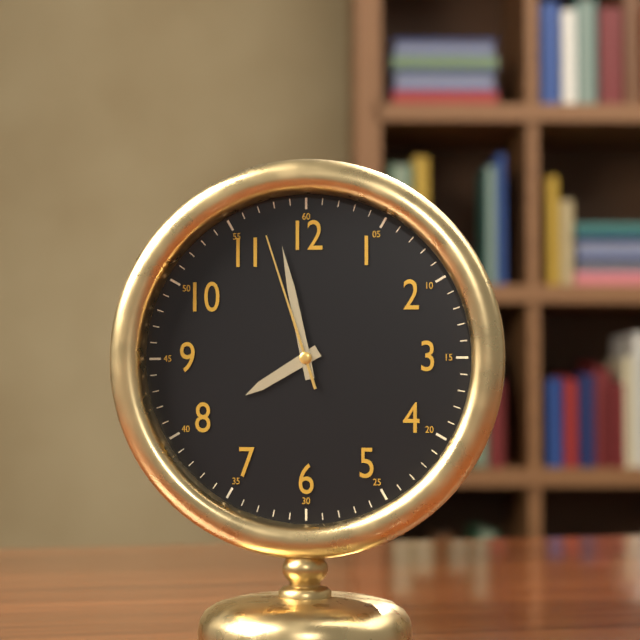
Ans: h=7 m=58 s=57
